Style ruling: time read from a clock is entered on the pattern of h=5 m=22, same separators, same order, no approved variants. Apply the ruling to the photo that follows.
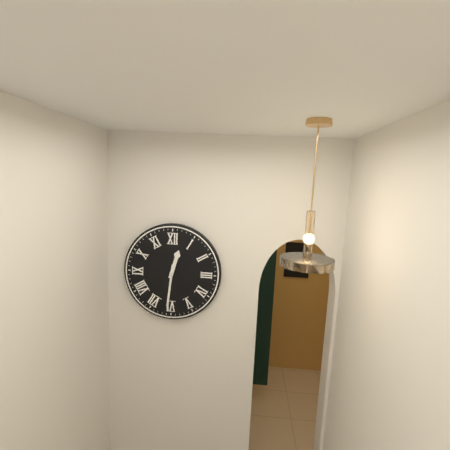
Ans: h=12 m=31
